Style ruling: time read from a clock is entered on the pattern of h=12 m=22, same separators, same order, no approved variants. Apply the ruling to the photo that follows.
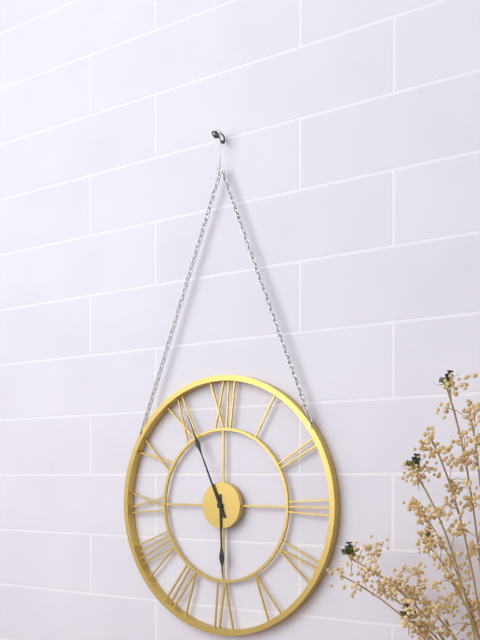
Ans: h=5 m=56
